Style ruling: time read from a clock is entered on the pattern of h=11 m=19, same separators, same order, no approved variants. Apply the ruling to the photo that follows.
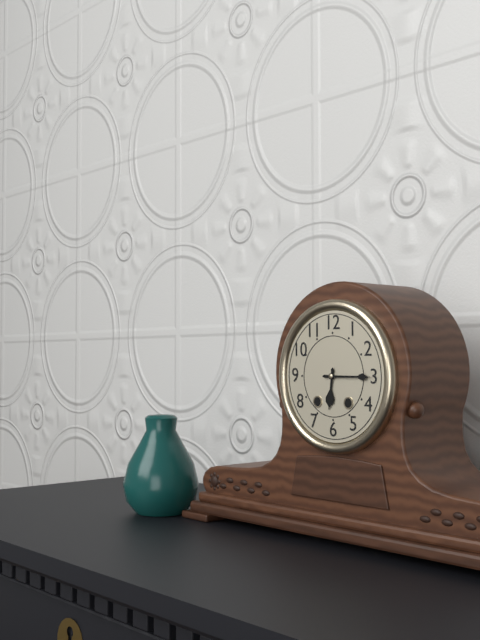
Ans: h=6 m=15
